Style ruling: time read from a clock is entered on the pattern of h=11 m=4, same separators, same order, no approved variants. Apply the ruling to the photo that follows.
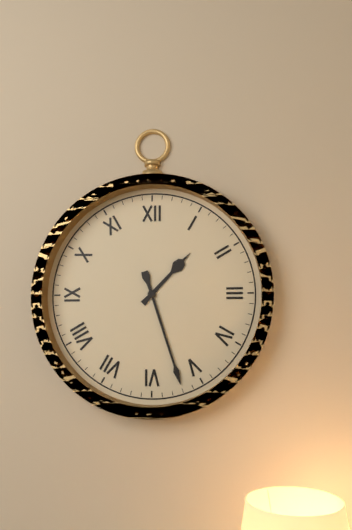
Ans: h=1 m=27
